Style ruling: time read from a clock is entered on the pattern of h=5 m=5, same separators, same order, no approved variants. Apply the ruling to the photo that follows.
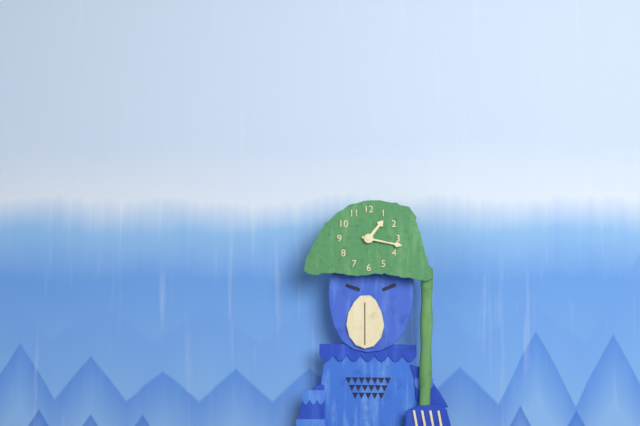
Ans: h=1 m=17
